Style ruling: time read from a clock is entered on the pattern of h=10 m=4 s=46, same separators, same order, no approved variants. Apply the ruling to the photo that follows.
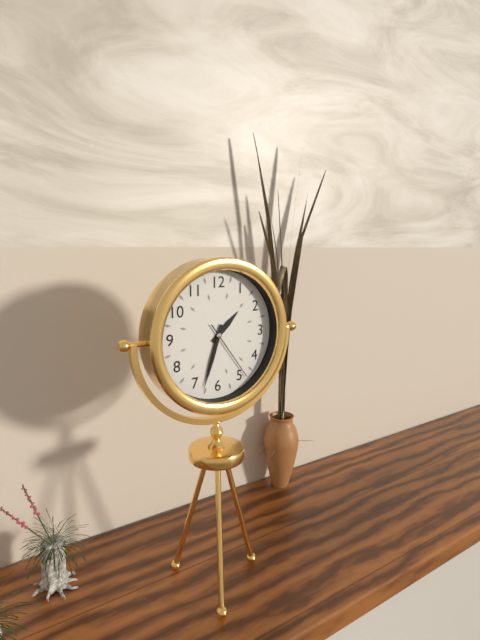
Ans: h=1 m=33 s=24
